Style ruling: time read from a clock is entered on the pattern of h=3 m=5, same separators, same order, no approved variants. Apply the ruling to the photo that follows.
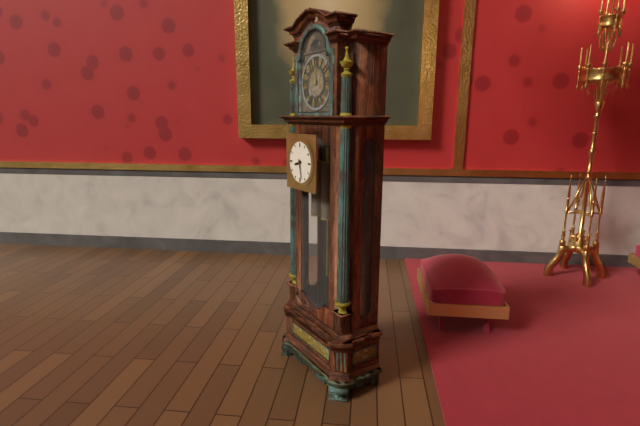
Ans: h=8 m=28
